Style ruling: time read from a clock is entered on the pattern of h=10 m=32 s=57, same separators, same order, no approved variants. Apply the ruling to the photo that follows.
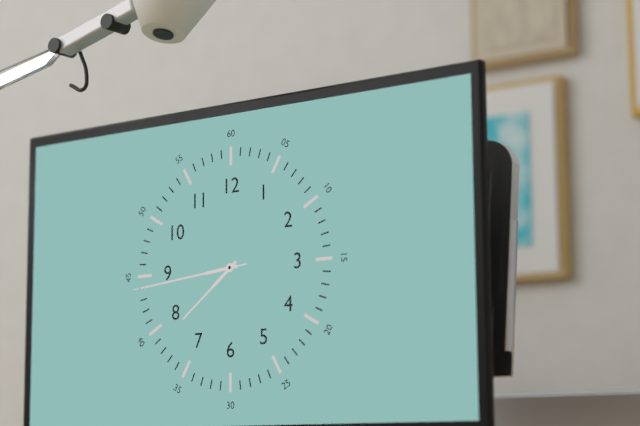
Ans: h=7 m=44 s=44
